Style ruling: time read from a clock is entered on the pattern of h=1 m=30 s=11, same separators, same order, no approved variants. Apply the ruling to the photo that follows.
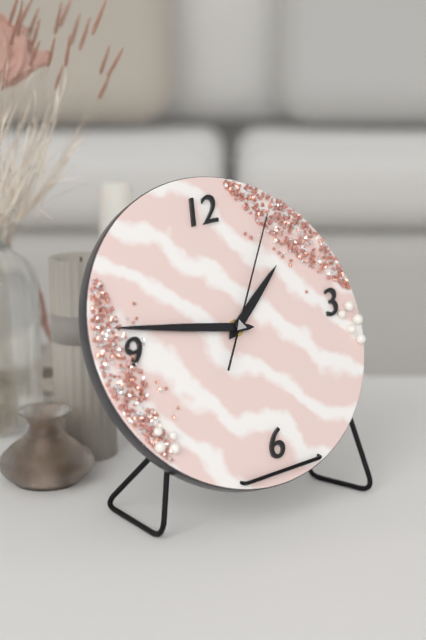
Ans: h=1 m=47 s=6
